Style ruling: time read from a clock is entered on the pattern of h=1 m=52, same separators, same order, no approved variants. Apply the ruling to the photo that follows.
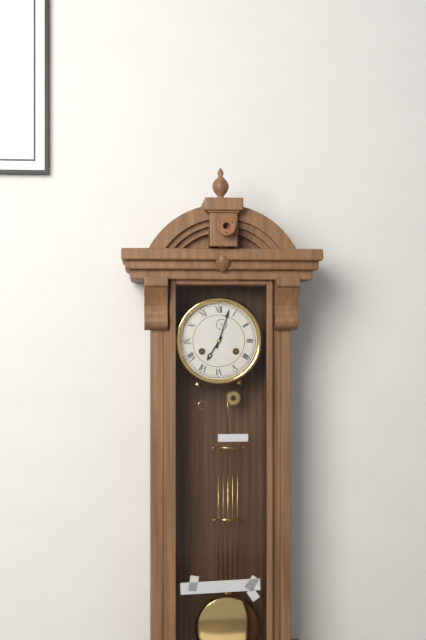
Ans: h=7 m=3
